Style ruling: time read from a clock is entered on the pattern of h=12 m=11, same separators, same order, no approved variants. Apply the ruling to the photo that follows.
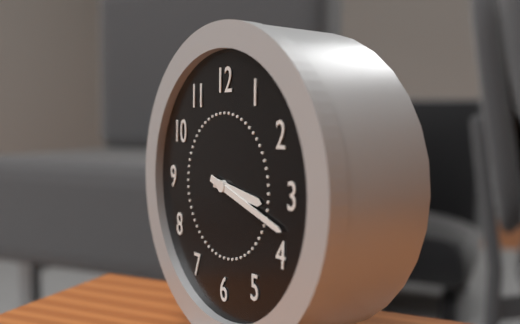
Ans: h=3 m=18
